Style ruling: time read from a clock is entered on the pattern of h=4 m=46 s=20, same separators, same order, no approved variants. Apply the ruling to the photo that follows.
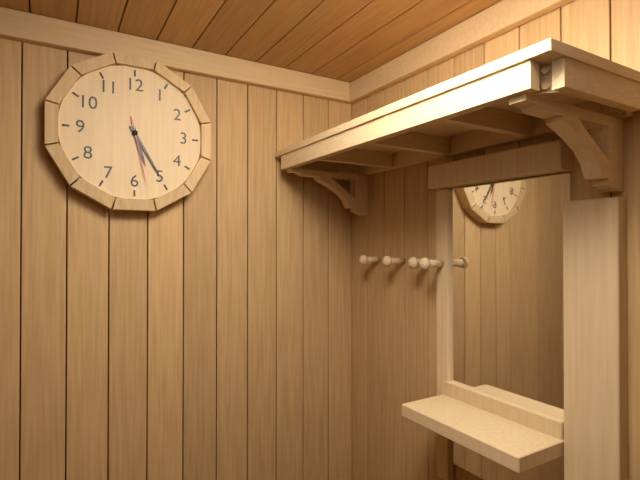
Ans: h=5 m=25 s=28
